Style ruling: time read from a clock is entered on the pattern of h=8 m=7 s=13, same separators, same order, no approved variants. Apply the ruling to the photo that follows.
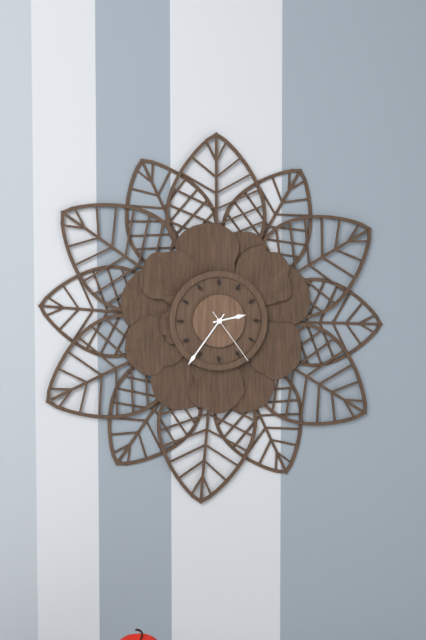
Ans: h=2 m=36 s=24
